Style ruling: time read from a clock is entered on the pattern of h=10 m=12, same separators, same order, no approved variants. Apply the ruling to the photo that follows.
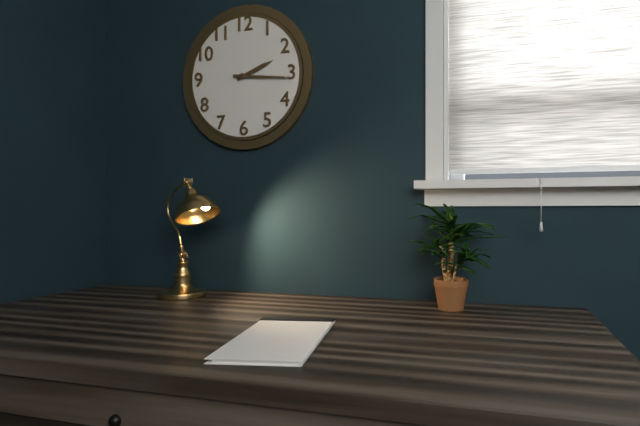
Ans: h=2 m=16
